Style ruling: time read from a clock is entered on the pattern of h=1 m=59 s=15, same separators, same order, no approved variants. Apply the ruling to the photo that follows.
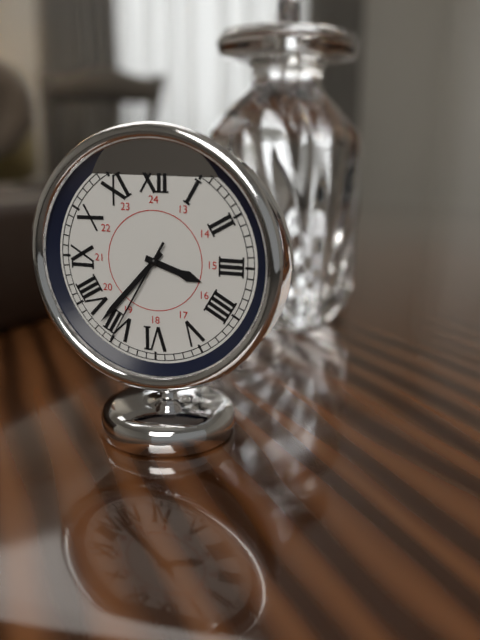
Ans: h=3 m=37 s=35
